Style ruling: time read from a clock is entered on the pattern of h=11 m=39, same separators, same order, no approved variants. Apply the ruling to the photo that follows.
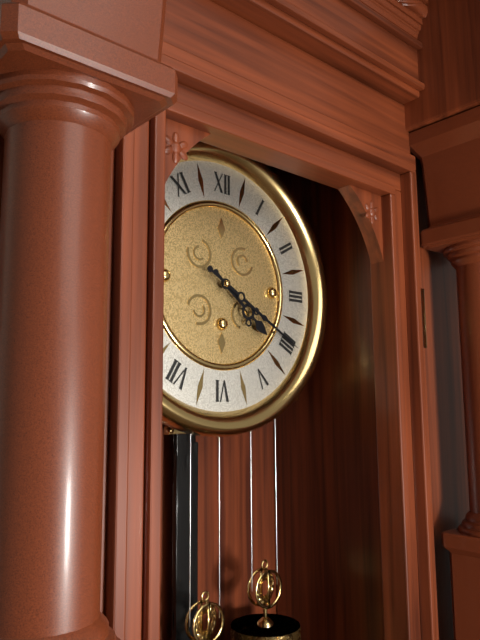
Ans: h=4 m=20
